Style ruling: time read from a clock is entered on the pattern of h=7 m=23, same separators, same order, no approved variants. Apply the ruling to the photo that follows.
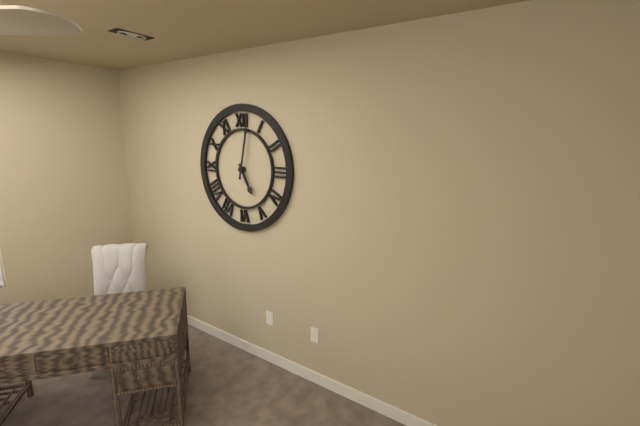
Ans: h=5 m=2
